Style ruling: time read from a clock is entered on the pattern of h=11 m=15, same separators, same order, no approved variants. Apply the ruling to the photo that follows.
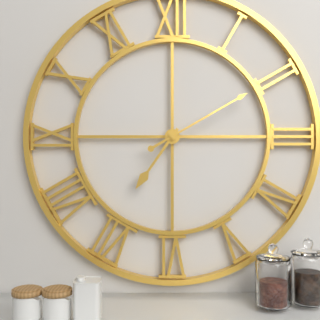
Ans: h=7 m=10
